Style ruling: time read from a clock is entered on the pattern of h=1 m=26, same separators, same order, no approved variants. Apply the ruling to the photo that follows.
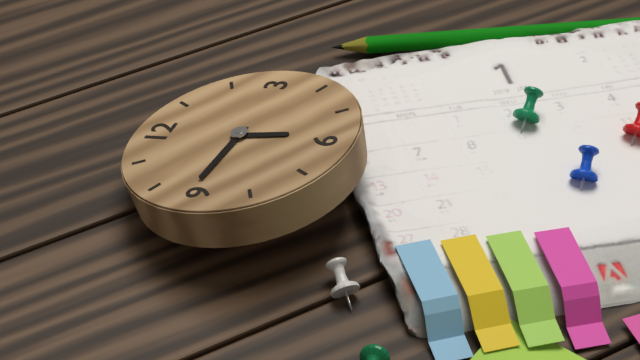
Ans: h=5 m=46
